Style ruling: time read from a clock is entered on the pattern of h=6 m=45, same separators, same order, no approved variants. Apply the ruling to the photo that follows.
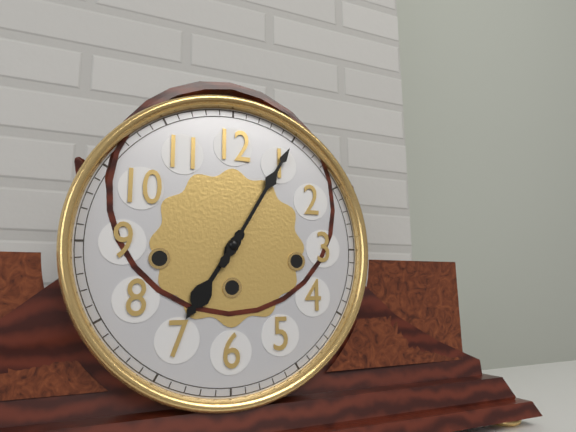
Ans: h=7 m=5
